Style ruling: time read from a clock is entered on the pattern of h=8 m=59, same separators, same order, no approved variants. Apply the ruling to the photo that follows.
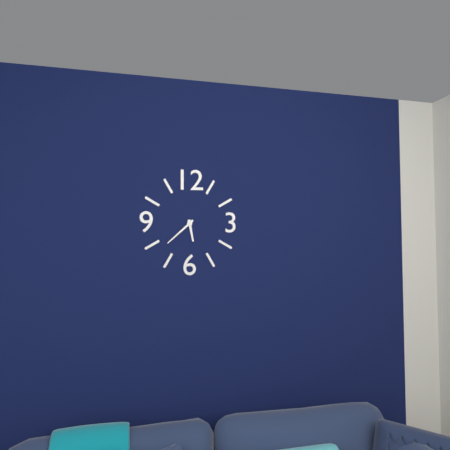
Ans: h=5 m=38
